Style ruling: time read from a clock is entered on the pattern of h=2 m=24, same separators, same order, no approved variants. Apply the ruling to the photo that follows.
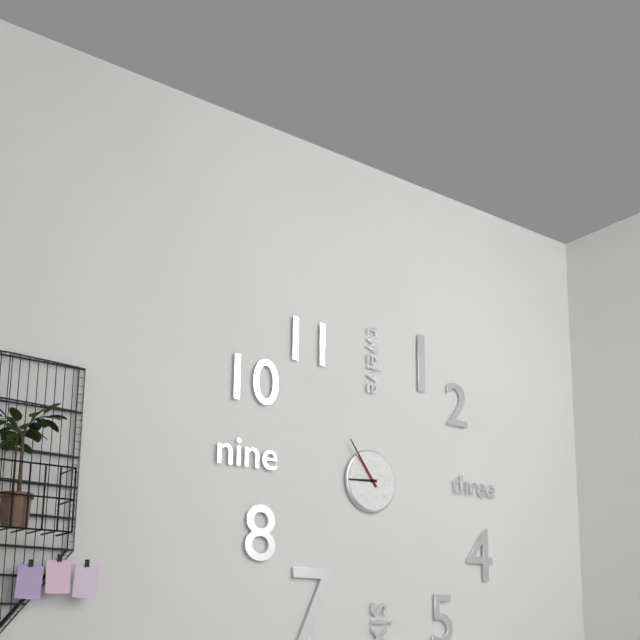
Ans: h=8 m=54
